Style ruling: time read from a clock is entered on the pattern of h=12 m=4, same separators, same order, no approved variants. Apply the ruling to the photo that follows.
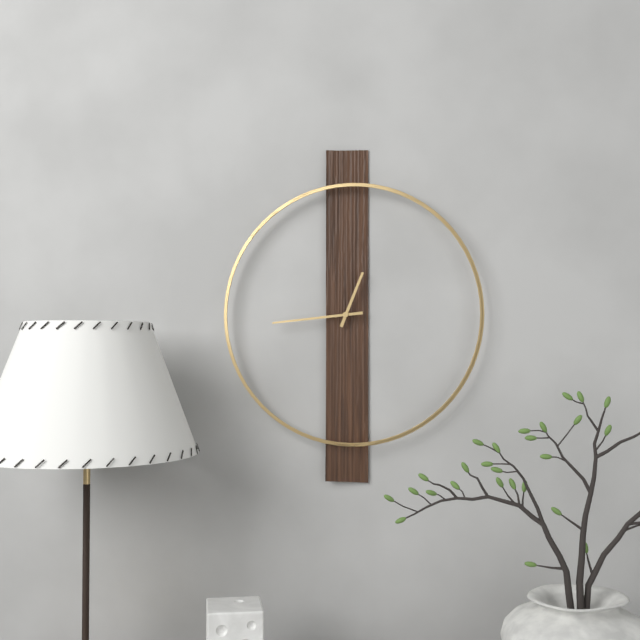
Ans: h=12 m=44
